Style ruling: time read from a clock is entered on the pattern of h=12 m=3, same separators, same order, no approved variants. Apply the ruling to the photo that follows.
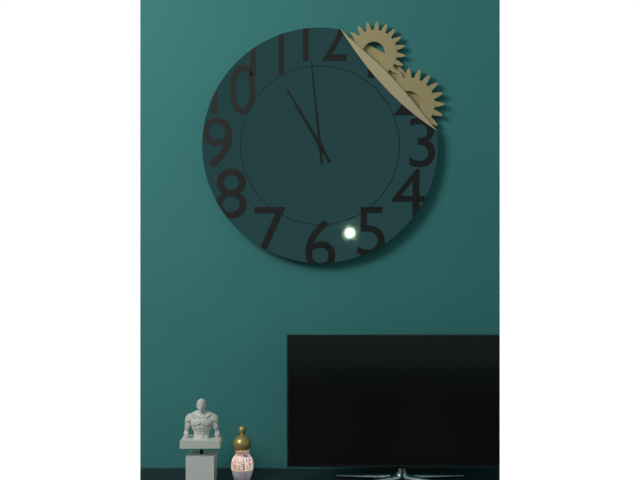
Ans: h=10 m=59
